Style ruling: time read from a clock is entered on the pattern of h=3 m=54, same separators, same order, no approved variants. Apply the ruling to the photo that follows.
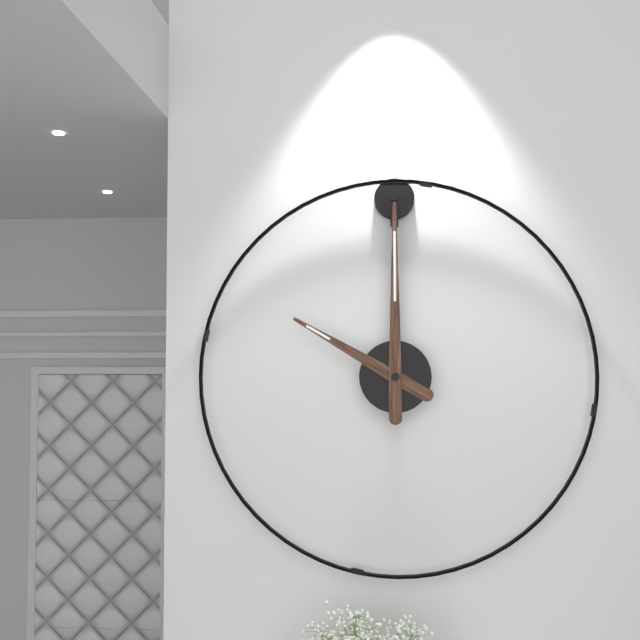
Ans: h=10 m=0
